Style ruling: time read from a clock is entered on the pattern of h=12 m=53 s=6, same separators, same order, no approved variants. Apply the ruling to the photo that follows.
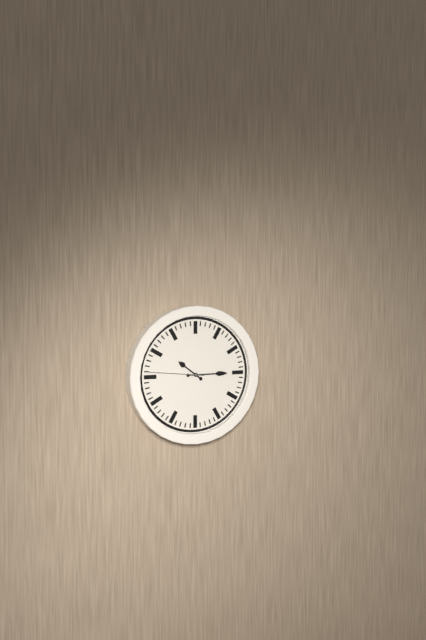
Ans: h=10 m=15 s=46
